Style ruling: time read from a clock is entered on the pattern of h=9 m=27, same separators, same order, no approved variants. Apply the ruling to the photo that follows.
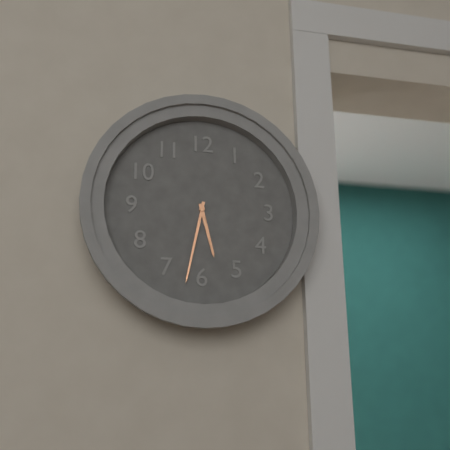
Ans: h=5 m=32
